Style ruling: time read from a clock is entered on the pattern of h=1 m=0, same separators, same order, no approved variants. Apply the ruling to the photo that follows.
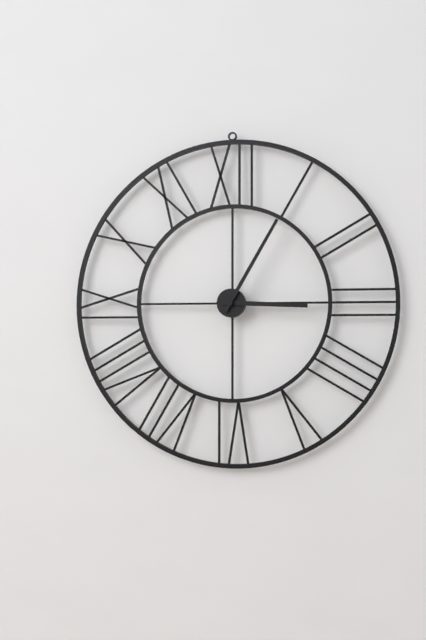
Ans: h=3 m=5
